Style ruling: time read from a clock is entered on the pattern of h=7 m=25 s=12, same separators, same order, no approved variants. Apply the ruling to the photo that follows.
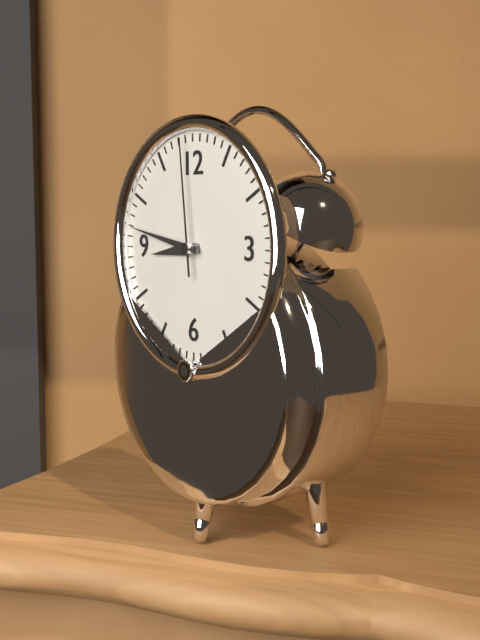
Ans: h=8 m=47 s=59
